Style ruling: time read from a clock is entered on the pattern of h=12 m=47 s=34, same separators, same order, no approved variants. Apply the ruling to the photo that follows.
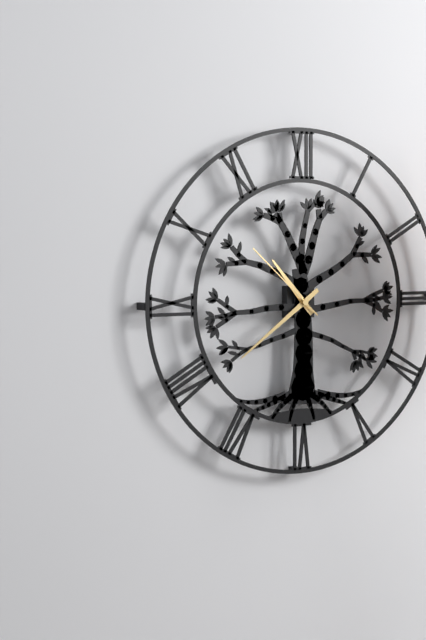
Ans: h=10 m=39 s=52
